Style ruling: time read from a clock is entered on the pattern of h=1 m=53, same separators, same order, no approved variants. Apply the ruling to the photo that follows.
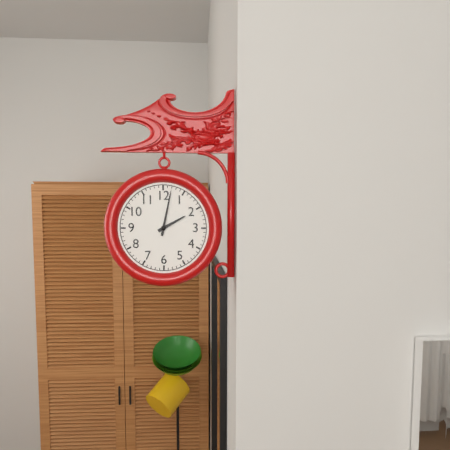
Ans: h=2 m=2
